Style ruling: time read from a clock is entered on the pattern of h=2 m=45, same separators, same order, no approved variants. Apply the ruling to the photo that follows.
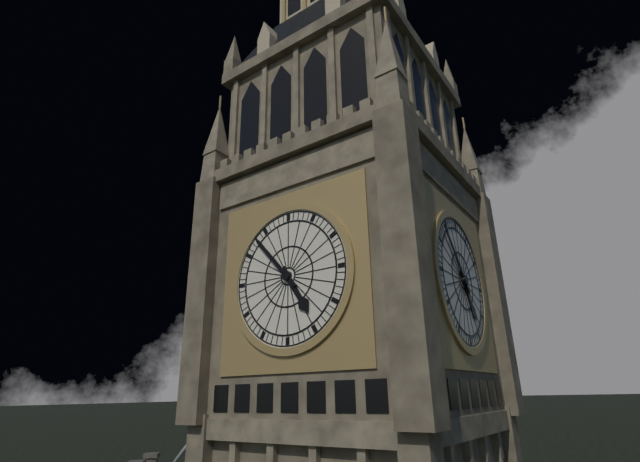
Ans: h=4 m=53
